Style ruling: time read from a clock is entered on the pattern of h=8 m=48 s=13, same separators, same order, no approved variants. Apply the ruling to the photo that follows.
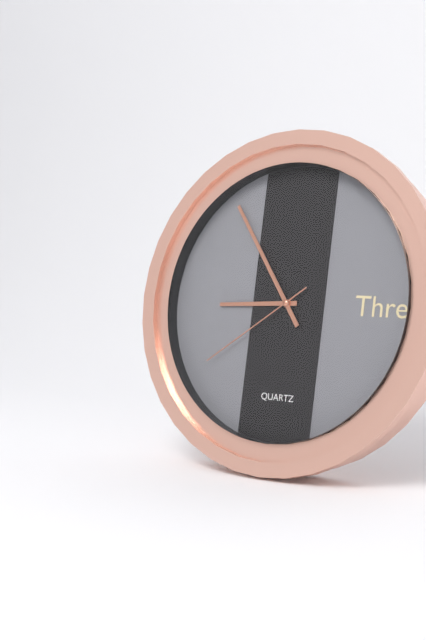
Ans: h=8 m=54 s=39
